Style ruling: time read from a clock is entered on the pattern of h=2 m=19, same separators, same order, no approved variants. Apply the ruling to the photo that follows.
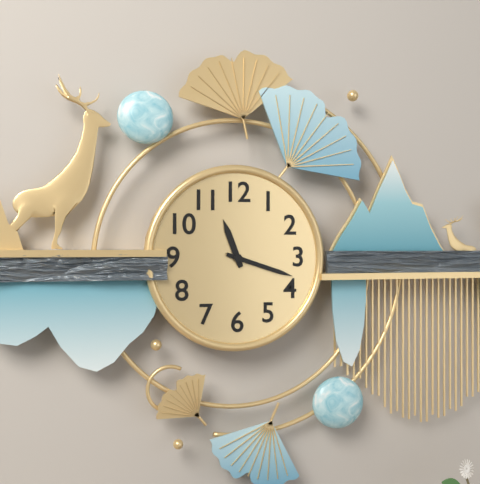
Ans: h=11 m=18
